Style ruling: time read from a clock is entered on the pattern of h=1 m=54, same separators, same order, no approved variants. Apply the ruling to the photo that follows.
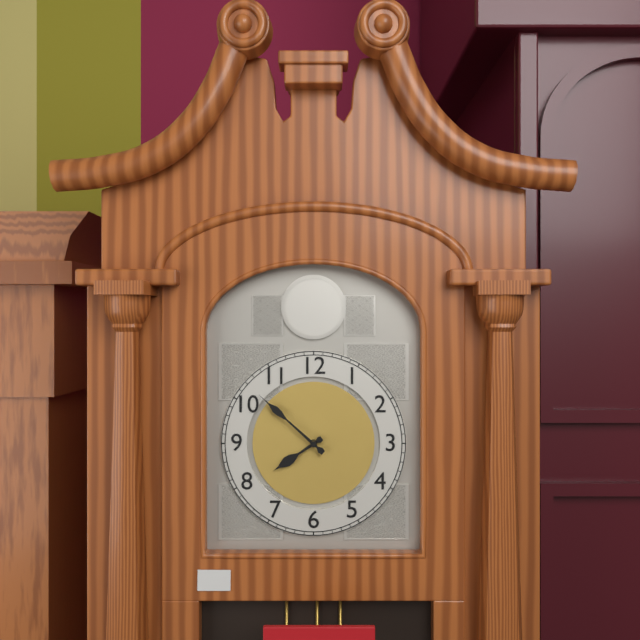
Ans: h=7 m=52
